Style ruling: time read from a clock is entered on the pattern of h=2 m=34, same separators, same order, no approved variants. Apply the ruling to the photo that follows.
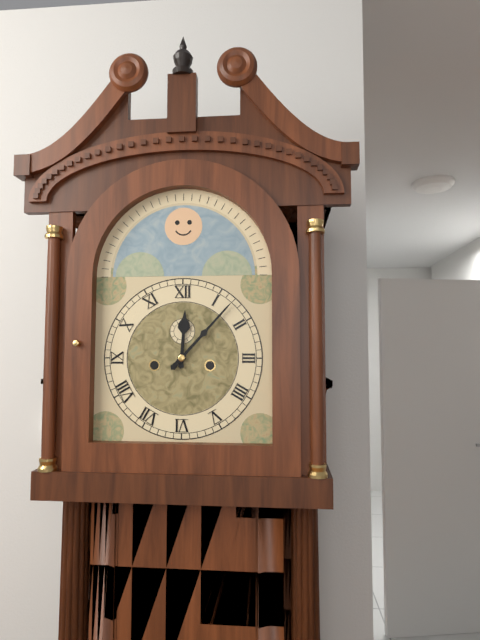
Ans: h=12 m=7
